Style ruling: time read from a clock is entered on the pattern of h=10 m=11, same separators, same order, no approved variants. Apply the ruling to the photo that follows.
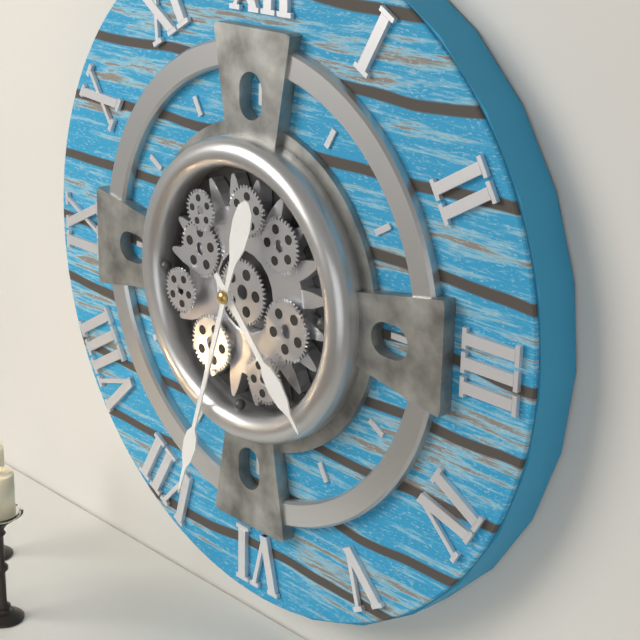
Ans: h=4 m=33
